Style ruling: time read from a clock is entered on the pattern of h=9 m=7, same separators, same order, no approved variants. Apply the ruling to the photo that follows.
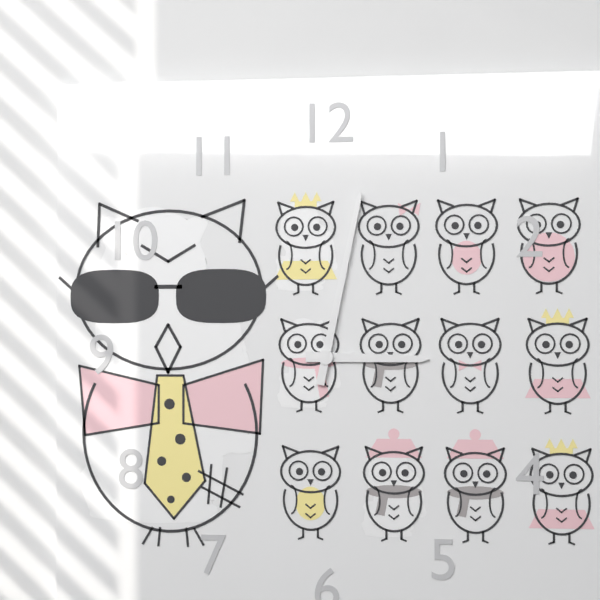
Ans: h=3 m=2
